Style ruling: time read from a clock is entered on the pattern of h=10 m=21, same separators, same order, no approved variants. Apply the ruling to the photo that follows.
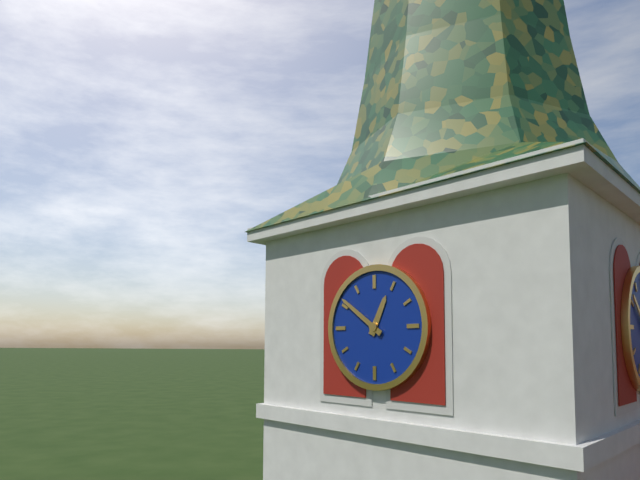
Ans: h=12 m=51
